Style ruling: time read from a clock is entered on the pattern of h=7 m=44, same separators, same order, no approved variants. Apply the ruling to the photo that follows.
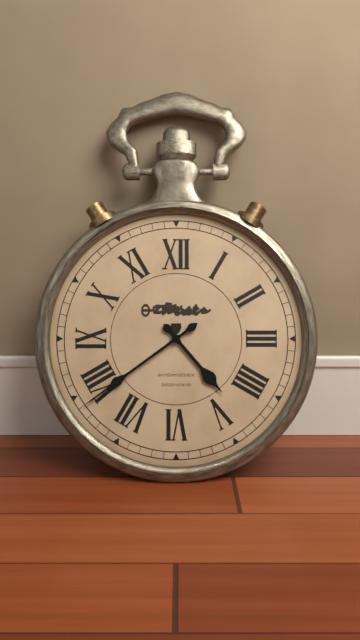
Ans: h=4 m=39
